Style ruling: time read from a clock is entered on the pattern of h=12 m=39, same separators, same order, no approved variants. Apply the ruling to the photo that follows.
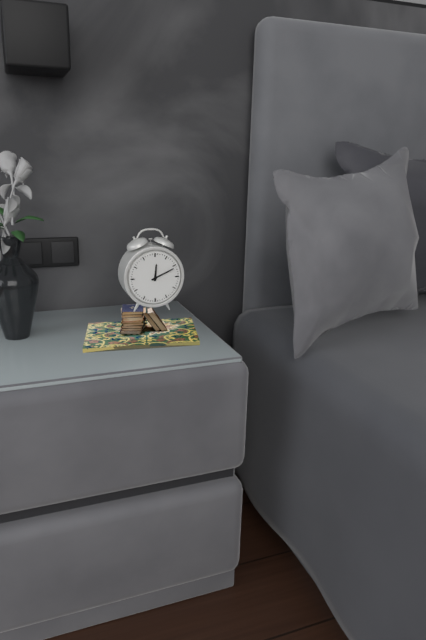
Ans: h=12 m=11
